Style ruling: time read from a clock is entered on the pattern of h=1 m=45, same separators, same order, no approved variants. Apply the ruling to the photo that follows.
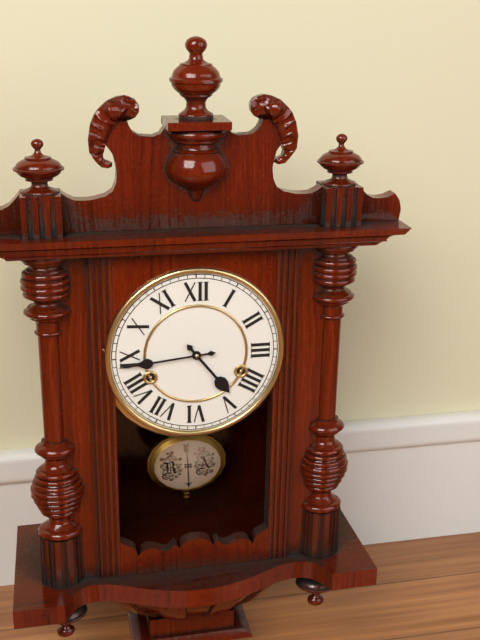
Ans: h=4 m=44
